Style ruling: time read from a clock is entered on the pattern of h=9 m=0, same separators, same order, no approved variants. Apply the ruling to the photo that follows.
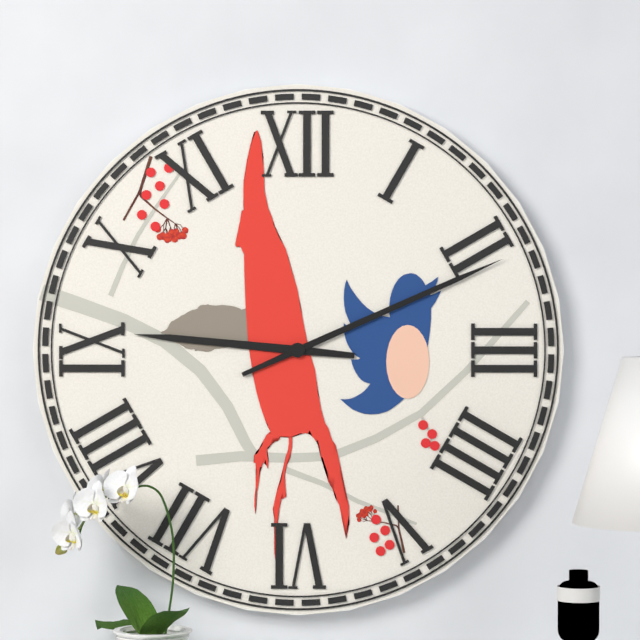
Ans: h=9 m=11
